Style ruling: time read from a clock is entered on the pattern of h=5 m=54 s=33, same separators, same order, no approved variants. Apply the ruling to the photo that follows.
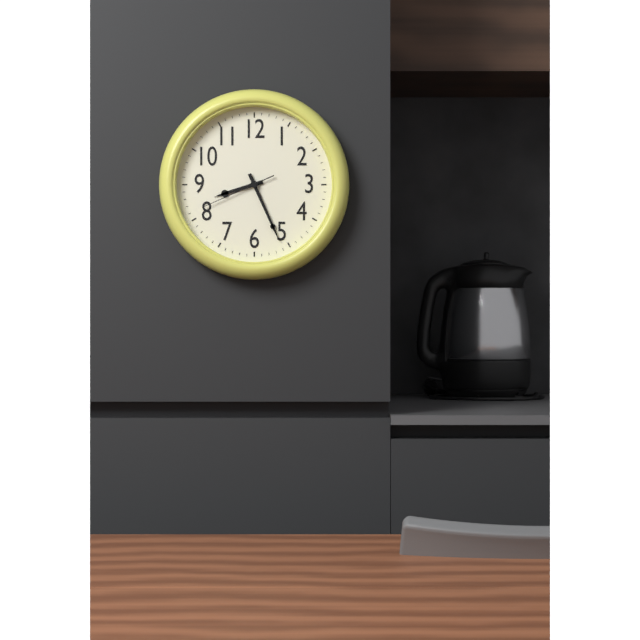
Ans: h=8 m=26 s=41
